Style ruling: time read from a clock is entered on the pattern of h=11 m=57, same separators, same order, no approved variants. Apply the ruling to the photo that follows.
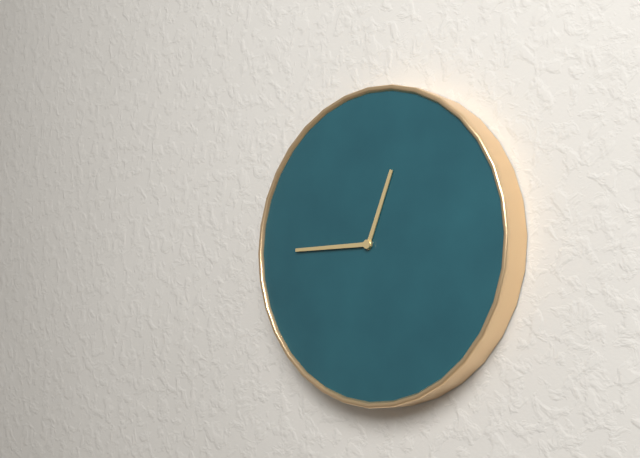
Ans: h=12 m=45
